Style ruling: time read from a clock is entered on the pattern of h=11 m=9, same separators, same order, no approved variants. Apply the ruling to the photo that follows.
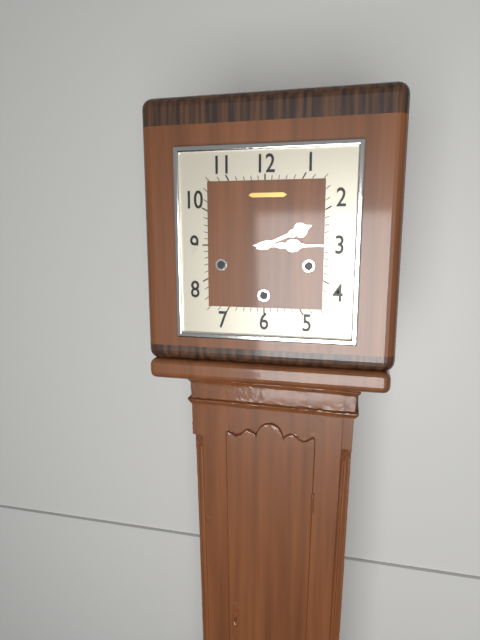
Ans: h=2 m=15
